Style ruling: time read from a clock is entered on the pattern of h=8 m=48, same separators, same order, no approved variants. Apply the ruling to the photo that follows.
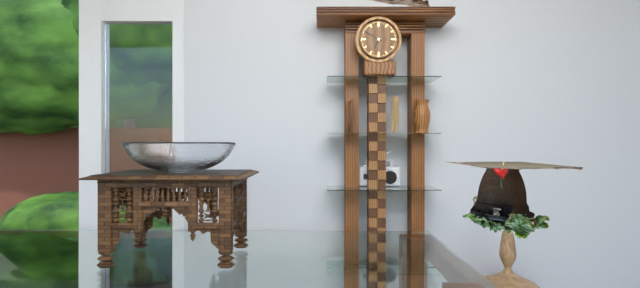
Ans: h=6 m=50
